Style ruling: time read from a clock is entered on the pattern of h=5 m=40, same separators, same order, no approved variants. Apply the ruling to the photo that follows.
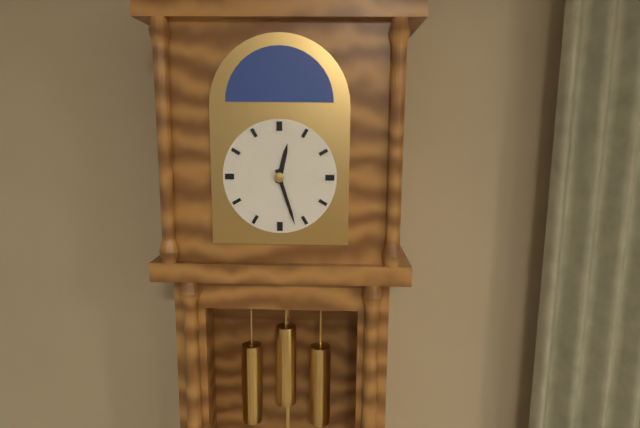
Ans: h=12 m=27
